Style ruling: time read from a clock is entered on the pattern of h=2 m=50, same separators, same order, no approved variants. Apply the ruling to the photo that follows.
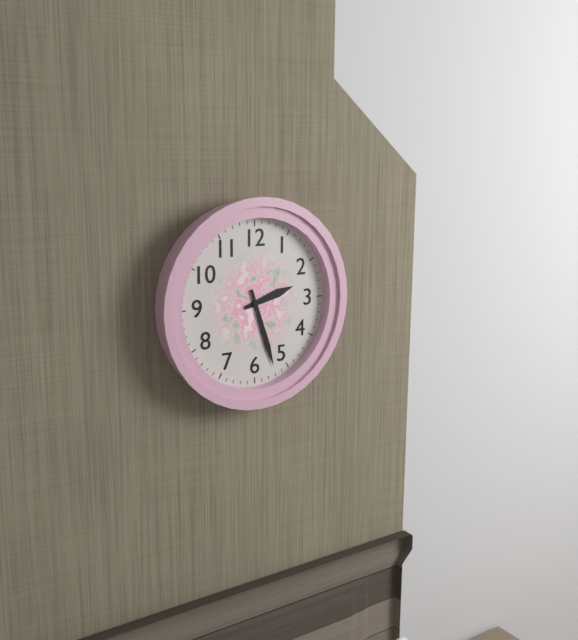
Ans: h=2 m=27
